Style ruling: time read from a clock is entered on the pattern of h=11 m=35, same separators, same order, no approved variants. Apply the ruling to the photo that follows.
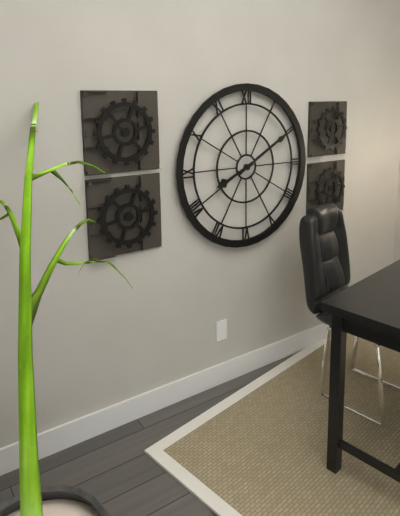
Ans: h=8 m=10
